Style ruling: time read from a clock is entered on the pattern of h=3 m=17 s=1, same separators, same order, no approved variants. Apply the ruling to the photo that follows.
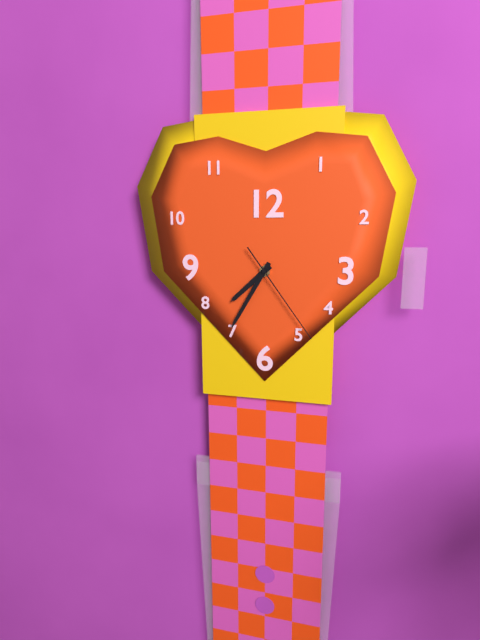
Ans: h=7 m=35 s=24
